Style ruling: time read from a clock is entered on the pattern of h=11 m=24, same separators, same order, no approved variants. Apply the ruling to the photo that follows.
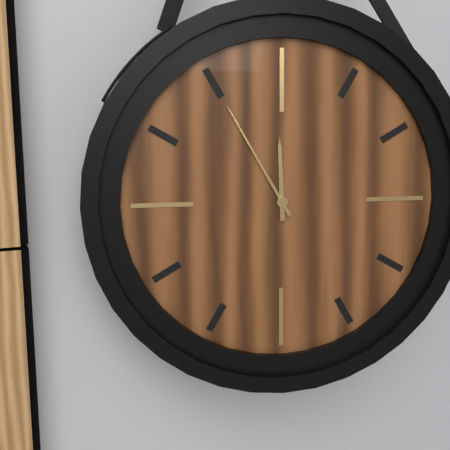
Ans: h=11 m=55
